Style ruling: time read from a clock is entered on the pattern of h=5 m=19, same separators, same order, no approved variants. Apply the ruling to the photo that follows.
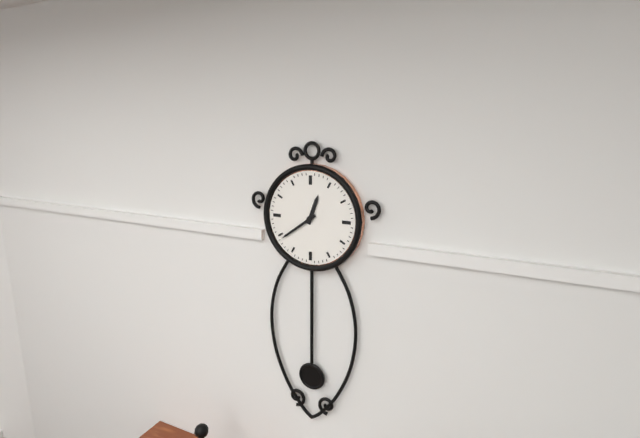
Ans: h=12 m=39
